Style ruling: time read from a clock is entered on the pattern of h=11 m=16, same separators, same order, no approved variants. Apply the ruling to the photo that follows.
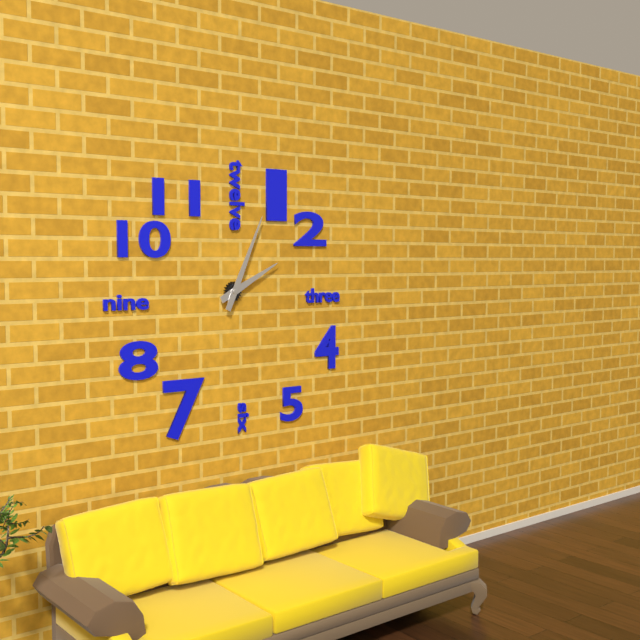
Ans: h=2 m=4
